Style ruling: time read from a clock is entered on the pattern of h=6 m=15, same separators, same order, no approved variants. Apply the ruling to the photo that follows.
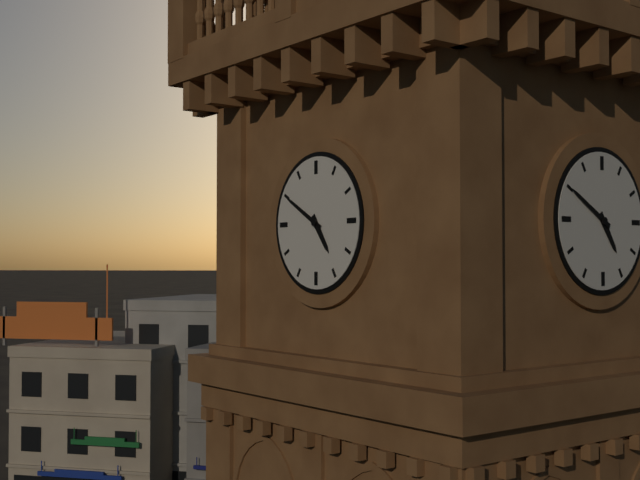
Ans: h=4 m=50
